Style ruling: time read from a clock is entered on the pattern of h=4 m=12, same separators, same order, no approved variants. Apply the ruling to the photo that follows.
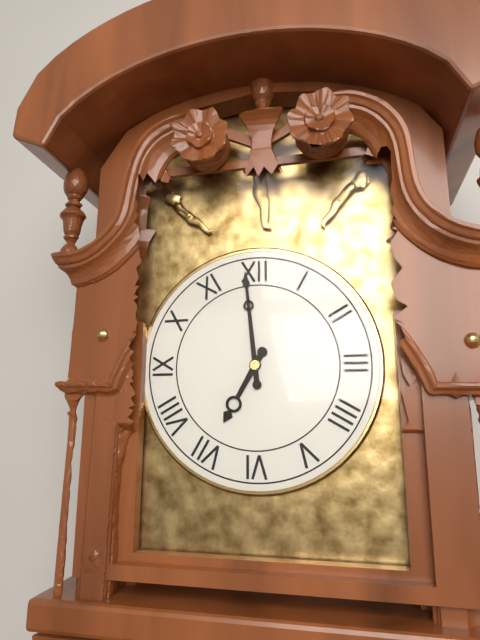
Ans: h=6 m=59
